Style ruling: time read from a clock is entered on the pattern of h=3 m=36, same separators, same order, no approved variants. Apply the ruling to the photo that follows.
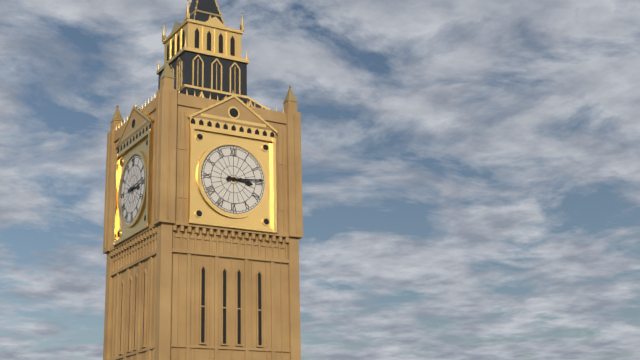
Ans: h=3 m=14
